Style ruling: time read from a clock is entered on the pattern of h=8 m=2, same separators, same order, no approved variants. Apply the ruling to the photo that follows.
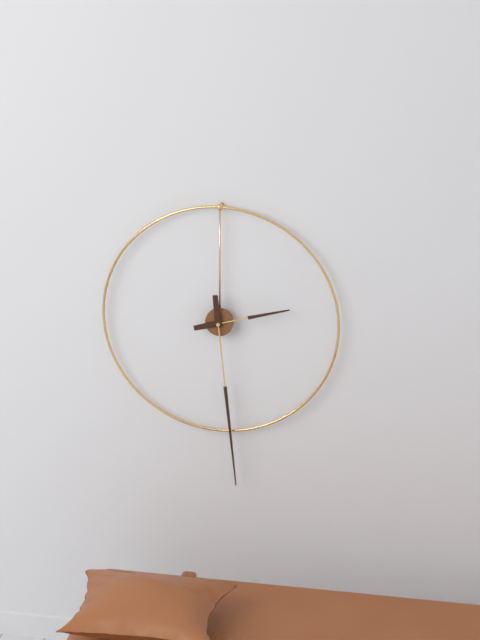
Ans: h=2 m=29
